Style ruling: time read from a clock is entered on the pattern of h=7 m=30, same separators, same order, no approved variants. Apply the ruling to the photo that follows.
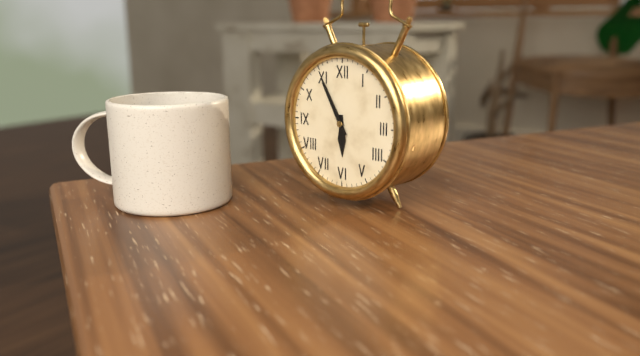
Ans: h=5 m=55
